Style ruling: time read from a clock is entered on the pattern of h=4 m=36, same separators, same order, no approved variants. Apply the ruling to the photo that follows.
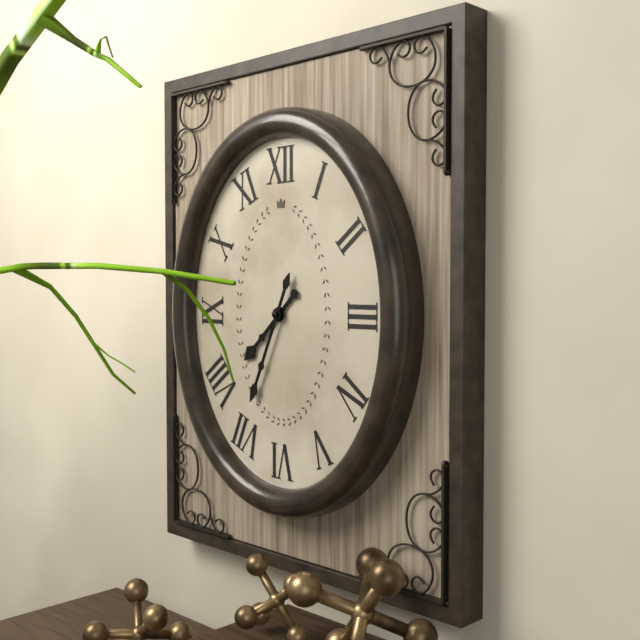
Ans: h=7 m=34
